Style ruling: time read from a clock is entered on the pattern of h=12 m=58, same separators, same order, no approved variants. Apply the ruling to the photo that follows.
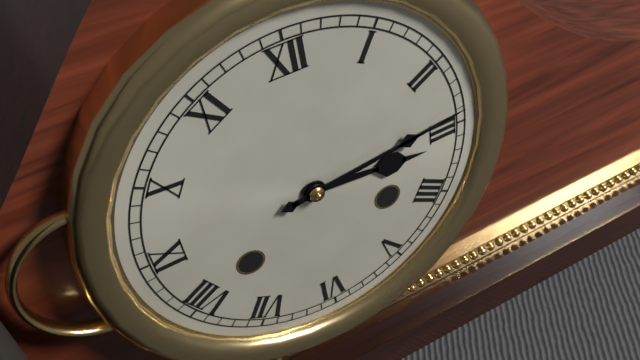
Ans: h=3 m=14
